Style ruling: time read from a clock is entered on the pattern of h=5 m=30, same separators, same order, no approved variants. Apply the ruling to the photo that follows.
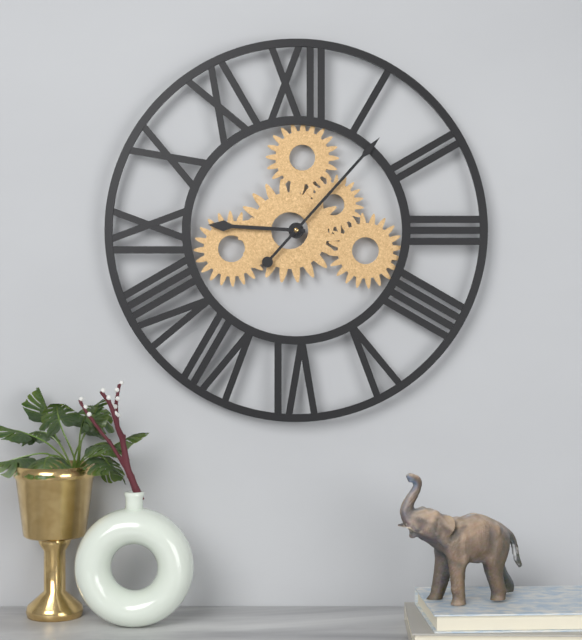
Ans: h=9 m=7
